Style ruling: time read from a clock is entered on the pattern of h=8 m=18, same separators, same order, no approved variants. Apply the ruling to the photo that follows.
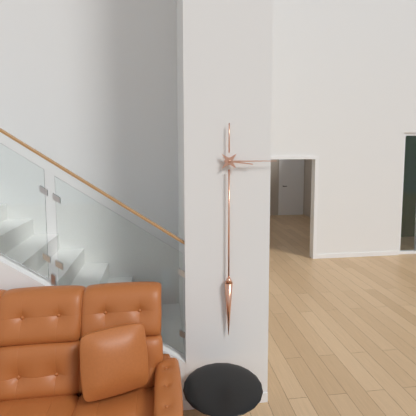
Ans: h=3 m=15
